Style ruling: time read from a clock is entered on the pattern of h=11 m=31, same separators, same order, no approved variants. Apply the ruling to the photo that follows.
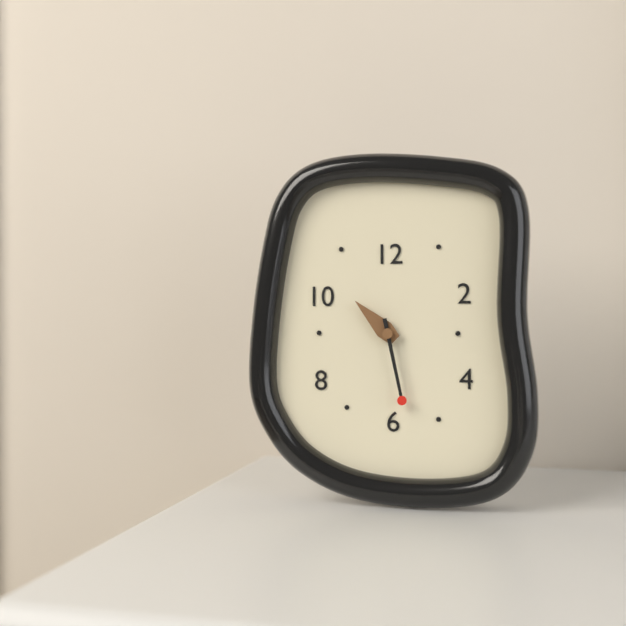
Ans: h=10 m=28
